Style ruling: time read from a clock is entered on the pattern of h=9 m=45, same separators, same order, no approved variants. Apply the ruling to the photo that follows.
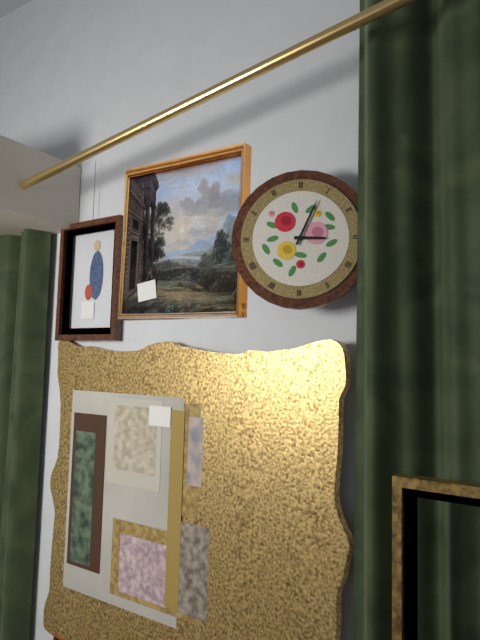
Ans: h=3 m=4
